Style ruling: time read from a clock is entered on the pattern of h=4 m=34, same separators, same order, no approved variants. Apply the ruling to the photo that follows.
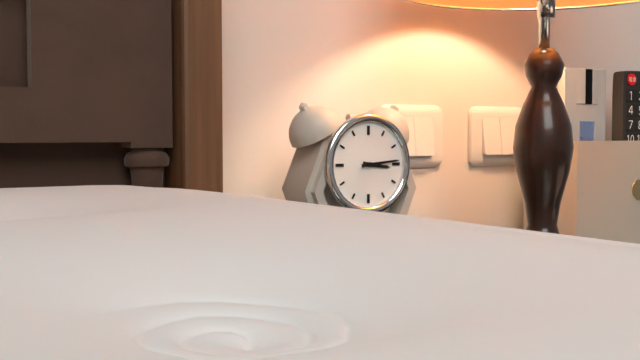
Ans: h=3 m=14
